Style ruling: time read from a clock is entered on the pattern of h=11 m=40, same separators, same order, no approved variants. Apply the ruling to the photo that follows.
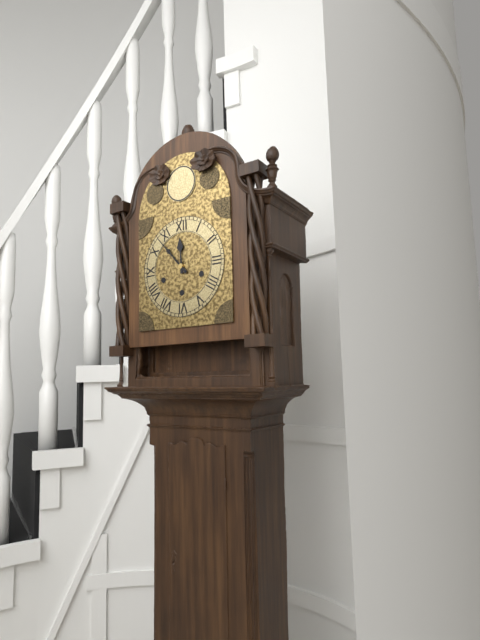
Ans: h=11 m=53
